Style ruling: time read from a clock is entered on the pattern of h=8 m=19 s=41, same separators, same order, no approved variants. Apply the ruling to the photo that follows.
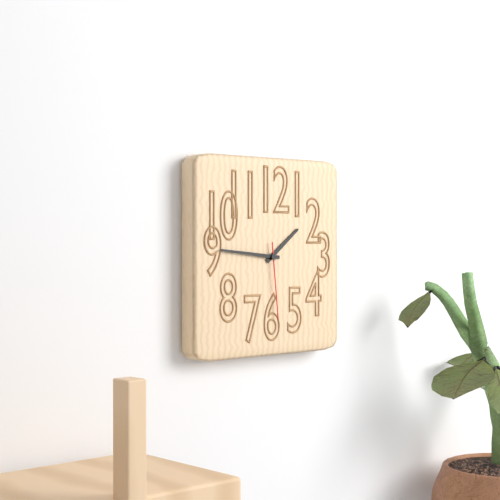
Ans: h=1 m=46 s=29
